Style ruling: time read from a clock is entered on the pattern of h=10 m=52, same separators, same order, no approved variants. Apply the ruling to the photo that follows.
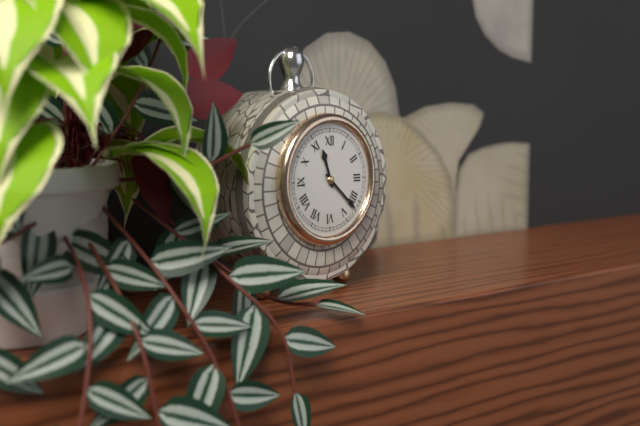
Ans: h=11 m=22
